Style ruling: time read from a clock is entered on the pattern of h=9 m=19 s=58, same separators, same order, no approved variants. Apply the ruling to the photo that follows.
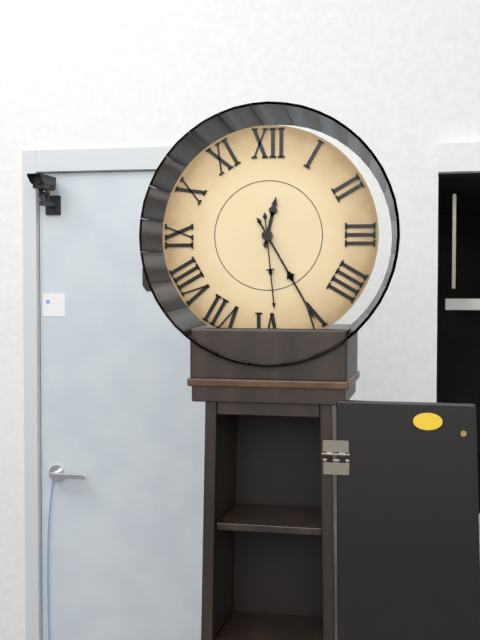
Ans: h=12 m=25 s=29
